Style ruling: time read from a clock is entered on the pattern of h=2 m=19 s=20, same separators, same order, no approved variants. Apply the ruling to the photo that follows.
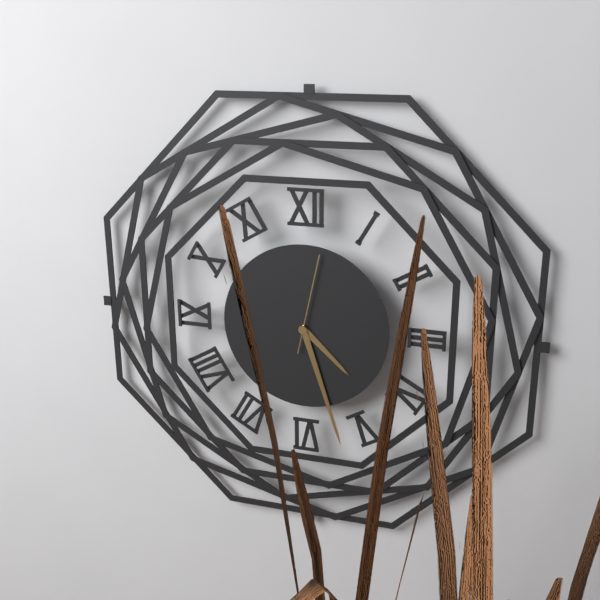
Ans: h=4 m=27 s=2
